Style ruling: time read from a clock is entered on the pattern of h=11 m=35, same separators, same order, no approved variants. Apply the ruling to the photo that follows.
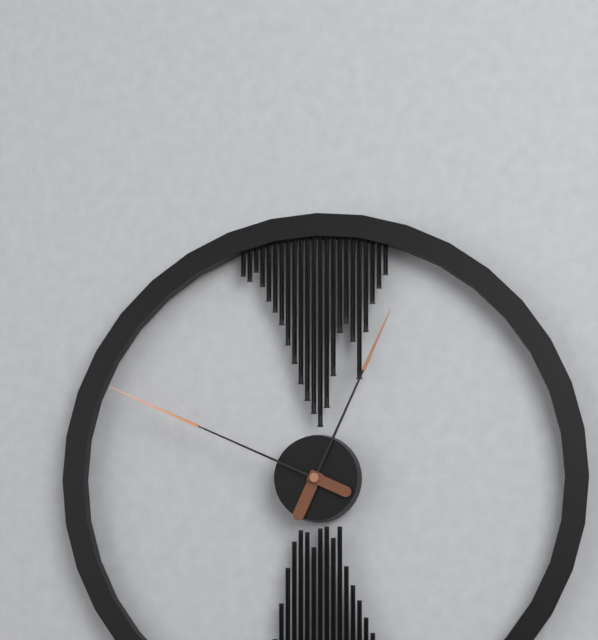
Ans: h=12 m=49
